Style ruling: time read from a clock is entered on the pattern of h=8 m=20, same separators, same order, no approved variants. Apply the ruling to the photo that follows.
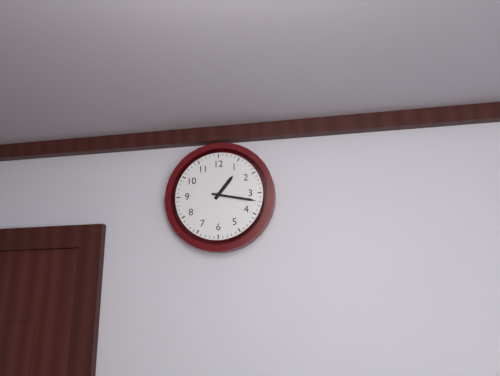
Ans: h=1 m=17
